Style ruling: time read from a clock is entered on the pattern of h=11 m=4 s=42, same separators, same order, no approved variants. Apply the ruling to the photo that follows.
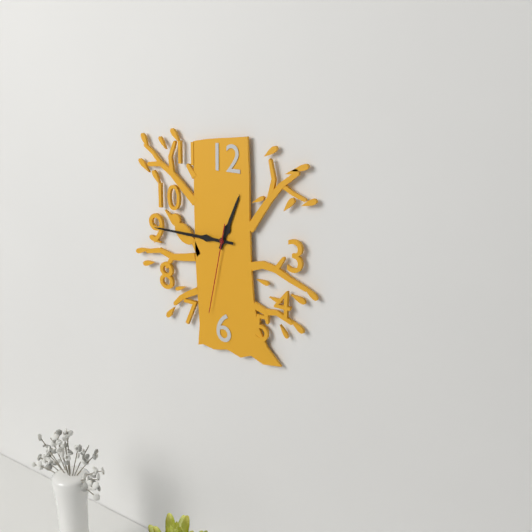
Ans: h=12 m=45 s=32
